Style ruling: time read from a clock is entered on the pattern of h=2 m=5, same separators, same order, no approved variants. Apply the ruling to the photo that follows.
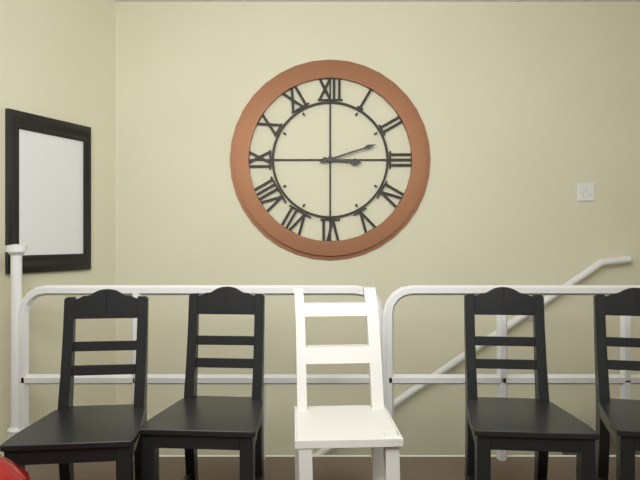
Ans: h=3 m=12
